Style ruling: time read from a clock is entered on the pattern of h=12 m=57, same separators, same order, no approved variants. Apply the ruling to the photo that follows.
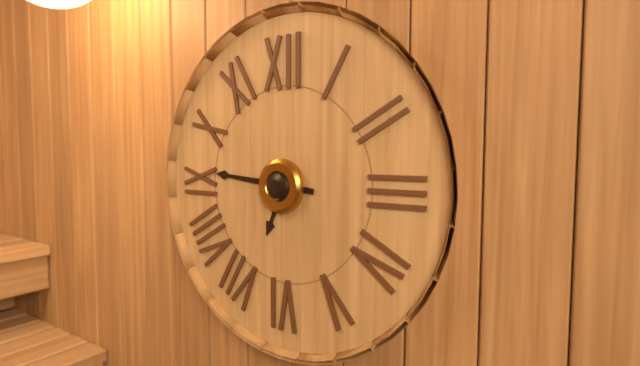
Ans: h=6 m=46
